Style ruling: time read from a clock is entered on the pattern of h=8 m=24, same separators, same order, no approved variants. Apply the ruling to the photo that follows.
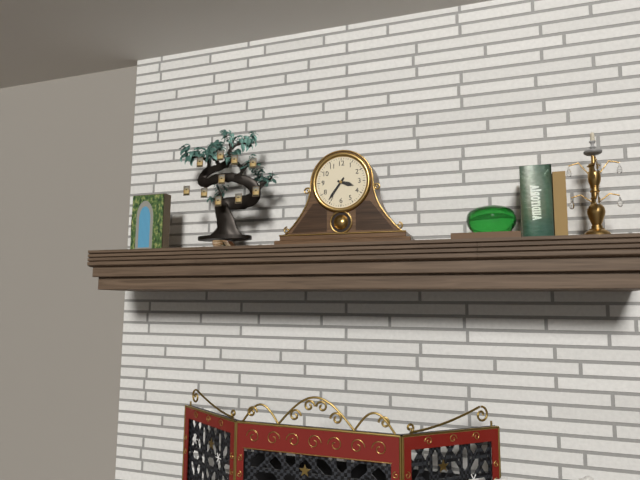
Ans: h=3 m=36
